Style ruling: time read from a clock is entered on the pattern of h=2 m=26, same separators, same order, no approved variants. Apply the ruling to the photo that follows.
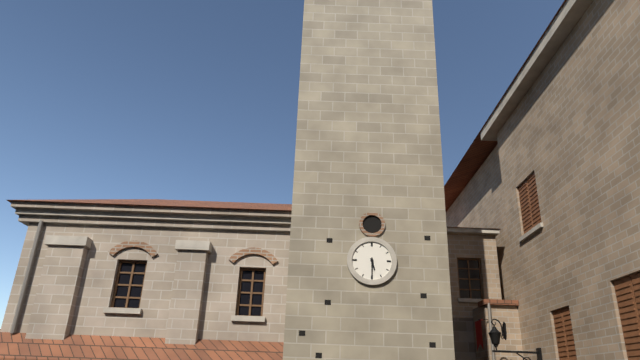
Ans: h=5 m=30
